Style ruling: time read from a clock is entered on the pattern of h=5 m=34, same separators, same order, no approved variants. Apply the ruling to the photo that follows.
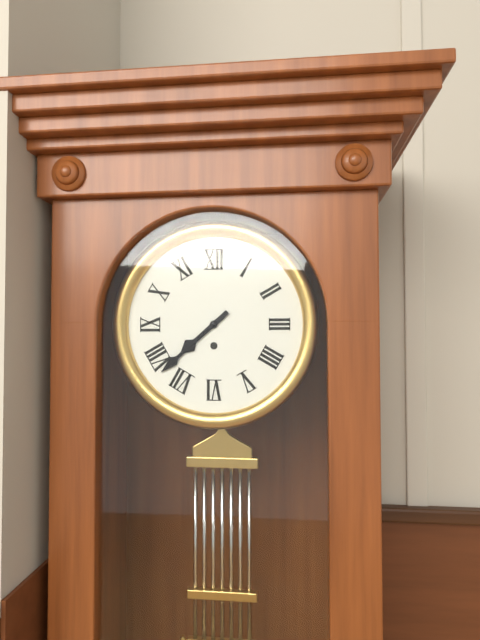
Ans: h=7 m=38
